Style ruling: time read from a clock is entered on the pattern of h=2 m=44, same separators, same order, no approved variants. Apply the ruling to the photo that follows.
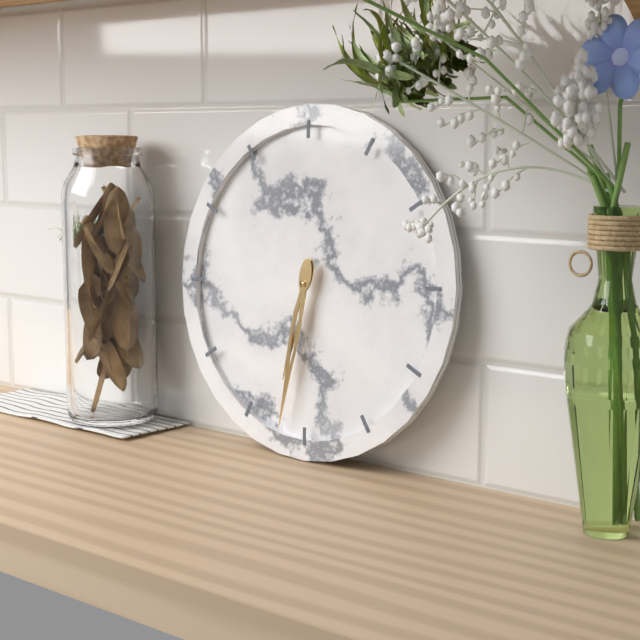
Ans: h=6 m=32
